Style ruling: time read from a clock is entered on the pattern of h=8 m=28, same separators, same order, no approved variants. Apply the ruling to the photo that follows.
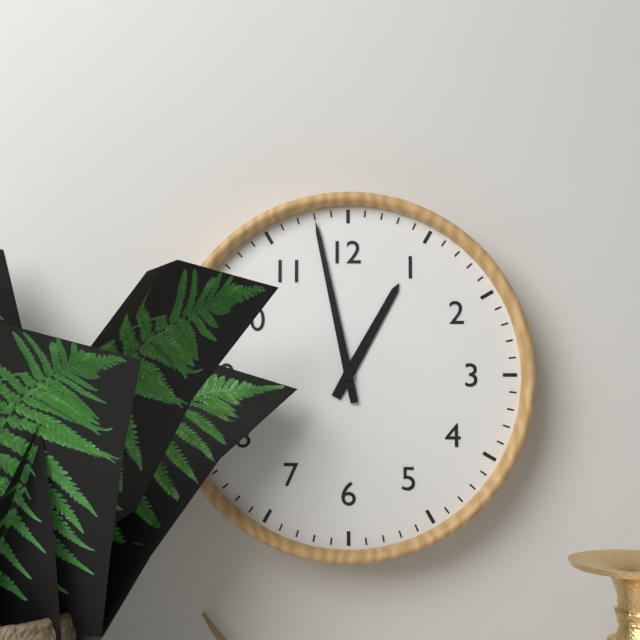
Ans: h=12 m=58
